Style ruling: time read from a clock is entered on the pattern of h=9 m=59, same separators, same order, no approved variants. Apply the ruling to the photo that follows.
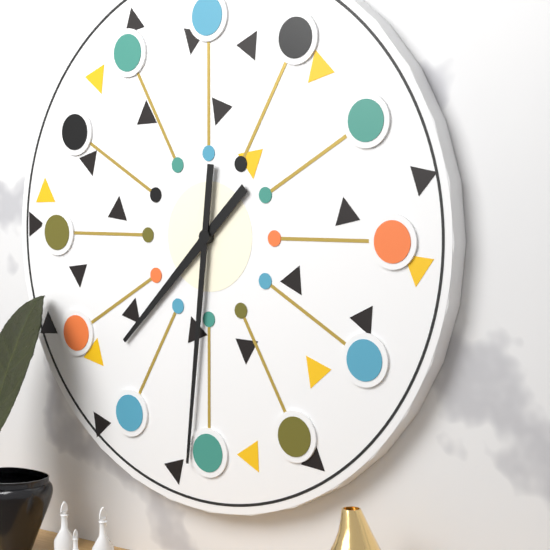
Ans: h=7 m=31
